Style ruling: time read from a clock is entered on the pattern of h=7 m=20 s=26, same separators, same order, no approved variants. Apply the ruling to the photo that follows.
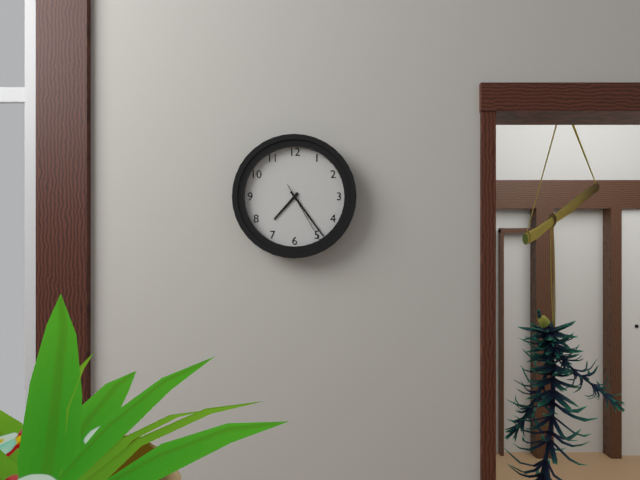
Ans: h=7 m=24 s=25
